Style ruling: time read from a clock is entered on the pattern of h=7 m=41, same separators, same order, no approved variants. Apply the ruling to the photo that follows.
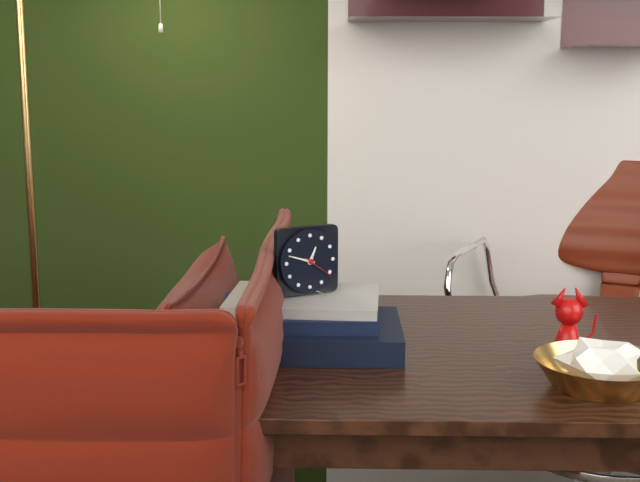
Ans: h=12 m=48
